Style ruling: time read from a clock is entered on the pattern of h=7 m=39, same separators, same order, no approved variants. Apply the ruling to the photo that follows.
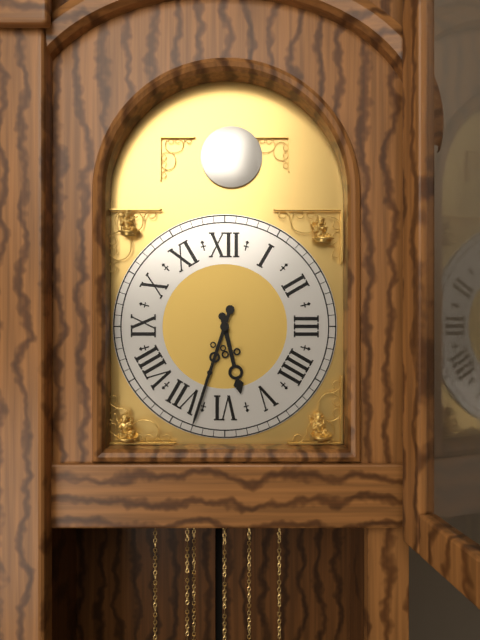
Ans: h=5 m=33
